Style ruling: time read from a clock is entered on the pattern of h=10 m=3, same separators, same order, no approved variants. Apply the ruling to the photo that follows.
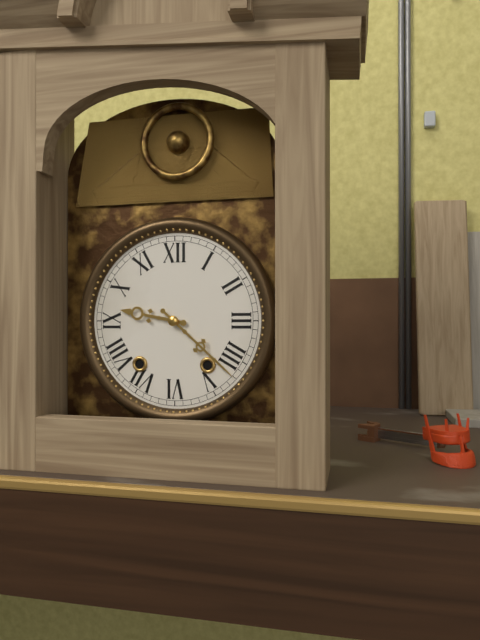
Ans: h=9 m=22
